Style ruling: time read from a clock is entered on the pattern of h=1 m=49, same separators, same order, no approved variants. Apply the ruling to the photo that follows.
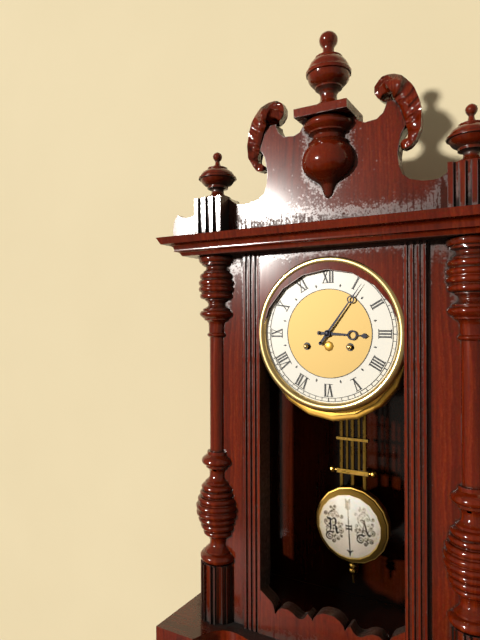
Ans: h=3 m=6
